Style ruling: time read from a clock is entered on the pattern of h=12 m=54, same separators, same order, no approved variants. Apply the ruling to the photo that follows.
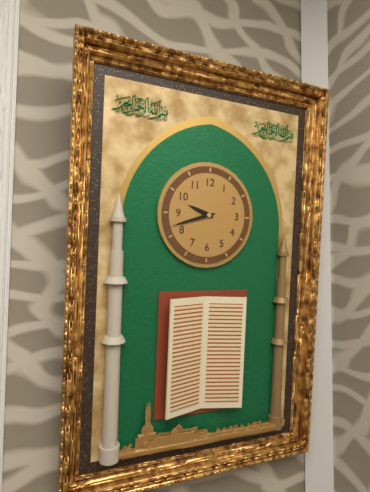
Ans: h=9 m=42
